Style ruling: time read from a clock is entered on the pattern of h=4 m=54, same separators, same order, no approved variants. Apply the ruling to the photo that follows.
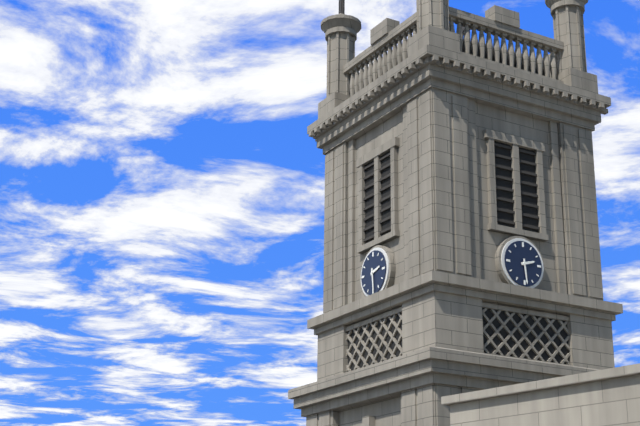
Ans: h=2 m=29
